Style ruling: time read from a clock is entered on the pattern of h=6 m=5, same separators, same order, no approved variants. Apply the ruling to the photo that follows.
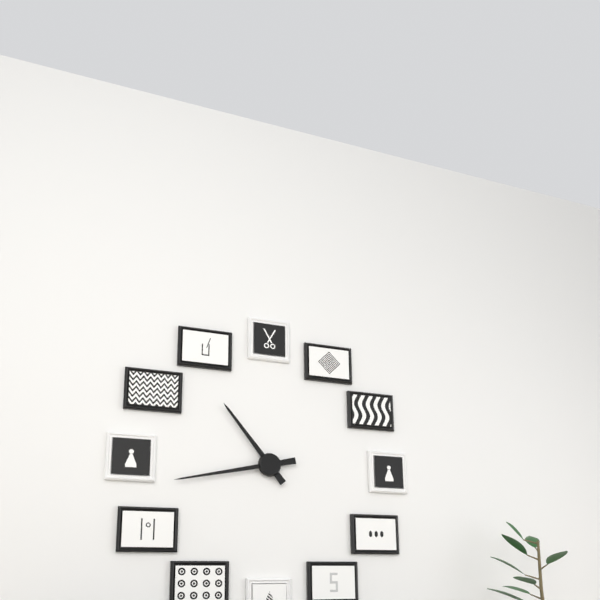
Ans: h=10 m=43
